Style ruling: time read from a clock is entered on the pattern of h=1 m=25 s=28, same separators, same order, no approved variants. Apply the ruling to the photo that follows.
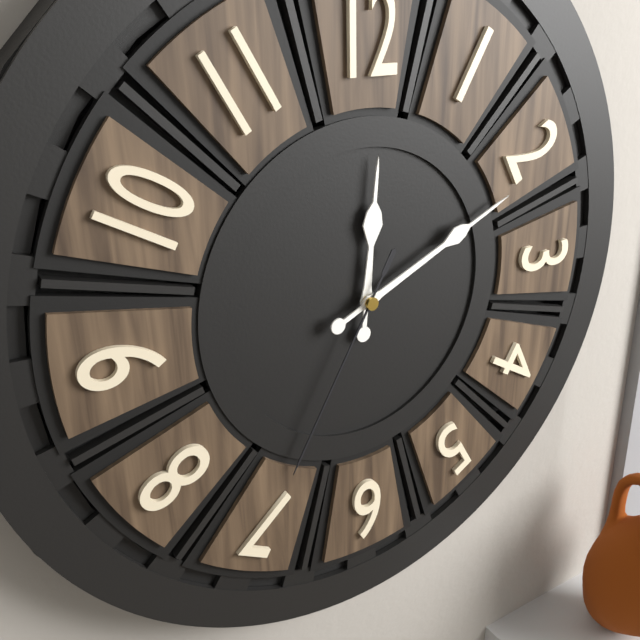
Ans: h=12 m=11 s=35
